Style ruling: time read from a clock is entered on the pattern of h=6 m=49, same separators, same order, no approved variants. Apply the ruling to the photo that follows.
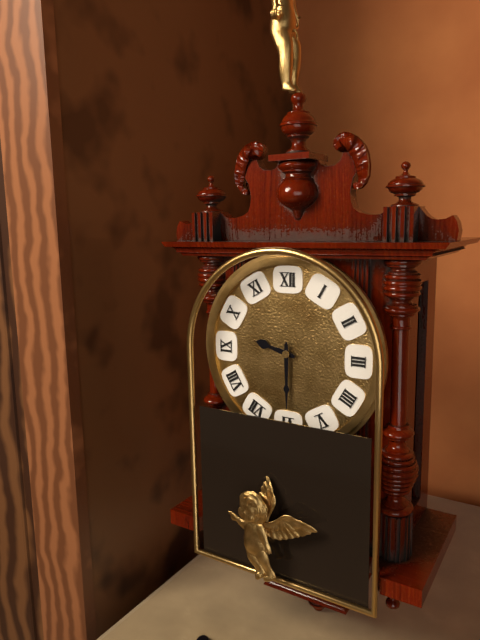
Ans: h=9 m=30
